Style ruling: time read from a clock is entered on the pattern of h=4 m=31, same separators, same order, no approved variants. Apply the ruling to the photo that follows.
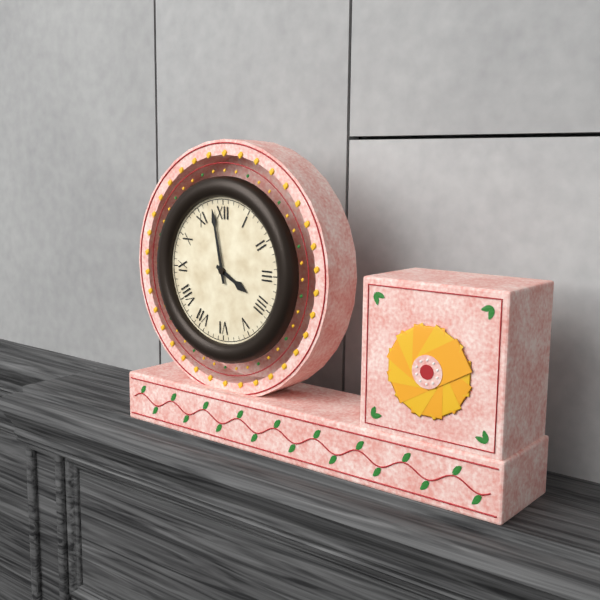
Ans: h=3 m=58
